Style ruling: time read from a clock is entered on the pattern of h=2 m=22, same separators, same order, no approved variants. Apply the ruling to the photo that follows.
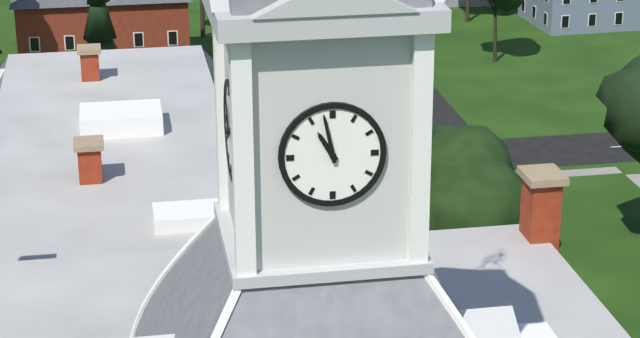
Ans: h=10 m=58
